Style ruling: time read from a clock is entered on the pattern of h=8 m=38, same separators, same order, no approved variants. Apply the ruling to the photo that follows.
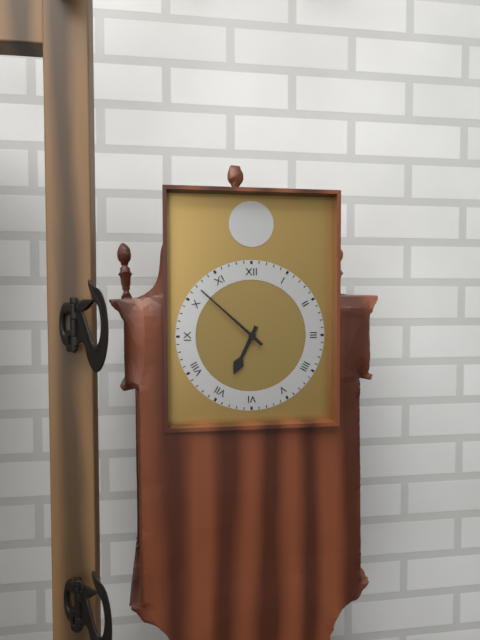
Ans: h=6 m=52
